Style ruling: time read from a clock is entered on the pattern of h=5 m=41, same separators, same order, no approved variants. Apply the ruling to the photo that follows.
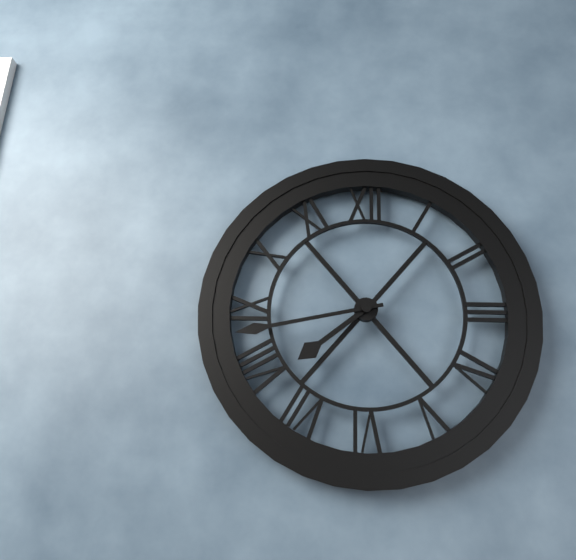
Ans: h=7 m=43
